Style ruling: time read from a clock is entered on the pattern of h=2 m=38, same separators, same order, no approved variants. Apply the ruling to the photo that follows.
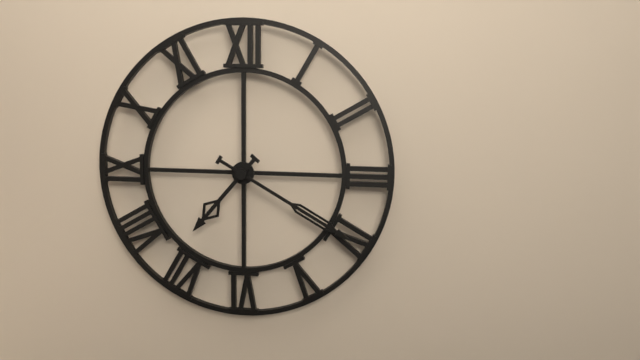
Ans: h=7 m=20
